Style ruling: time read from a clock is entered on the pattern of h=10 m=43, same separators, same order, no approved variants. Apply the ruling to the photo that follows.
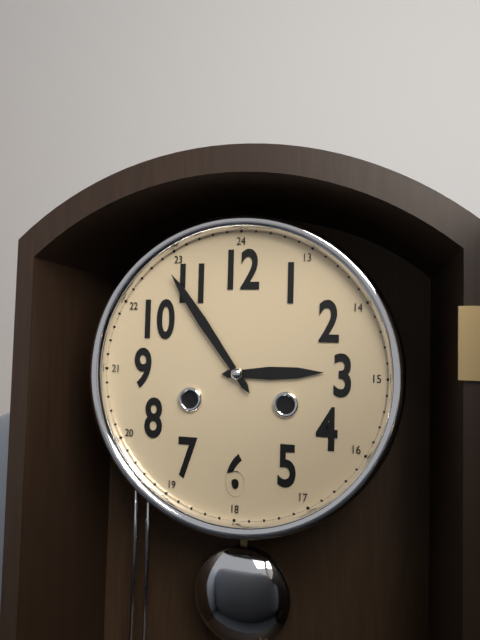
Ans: h=2 m=54
